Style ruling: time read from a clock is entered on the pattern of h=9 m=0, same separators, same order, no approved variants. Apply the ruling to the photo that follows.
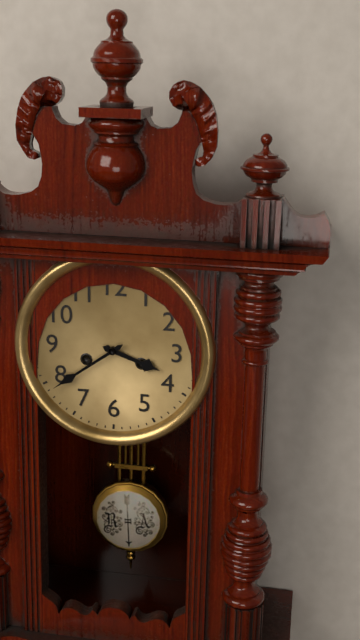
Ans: h=3 m=39
